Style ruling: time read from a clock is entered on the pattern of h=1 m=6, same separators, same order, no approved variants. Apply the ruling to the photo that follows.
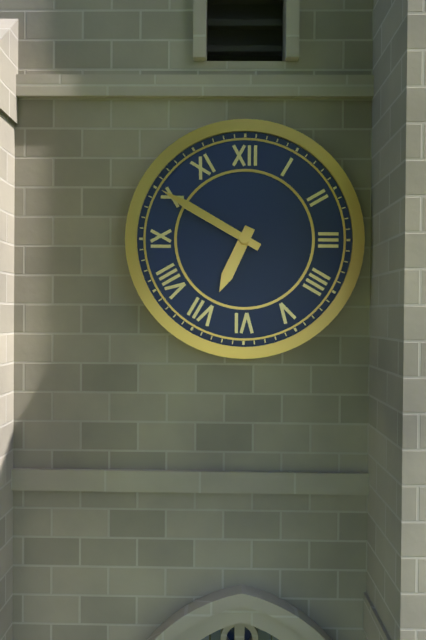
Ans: h=6 m=50
